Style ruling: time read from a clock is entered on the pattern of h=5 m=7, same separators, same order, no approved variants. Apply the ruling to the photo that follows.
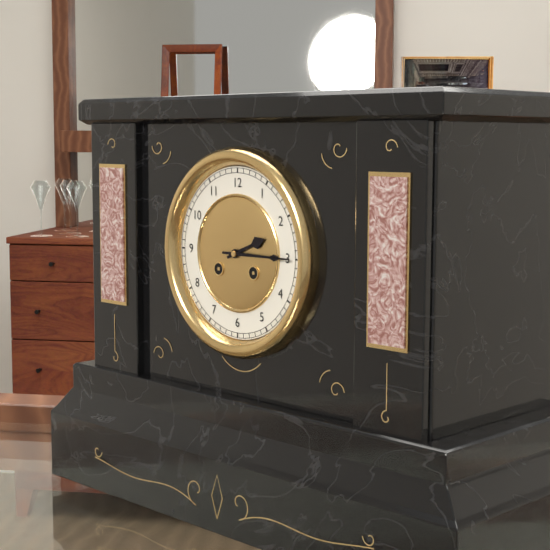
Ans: h=2 m=15
